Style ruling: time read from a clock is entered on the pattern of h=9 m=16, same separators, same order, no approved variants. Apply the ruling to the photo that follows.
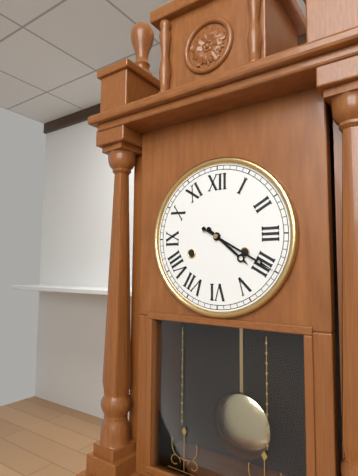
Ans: h=4 m=20
